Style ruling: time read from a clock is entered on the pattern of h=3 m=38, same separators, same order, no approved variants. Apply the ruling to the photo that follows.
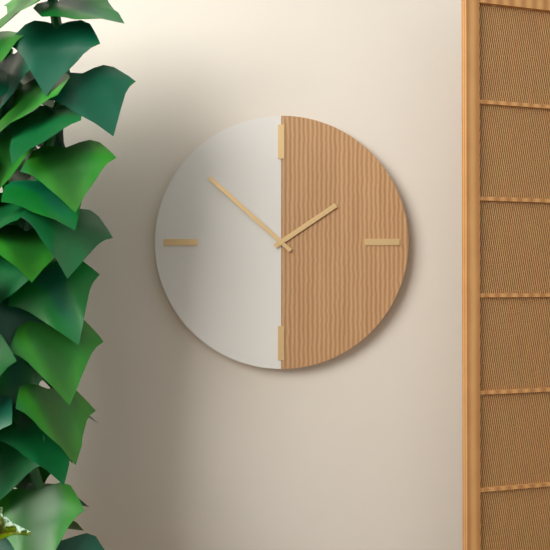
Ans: h=1 m=52
